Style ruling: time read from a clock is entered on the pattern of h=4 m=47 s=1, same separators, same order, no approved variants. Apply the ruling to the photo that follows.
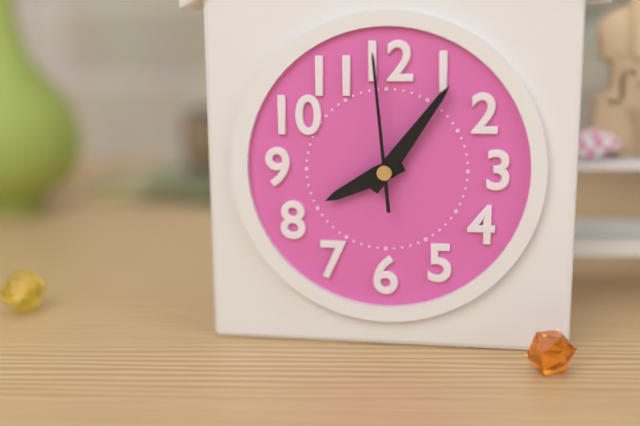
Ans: h=8 m=6 s=59
